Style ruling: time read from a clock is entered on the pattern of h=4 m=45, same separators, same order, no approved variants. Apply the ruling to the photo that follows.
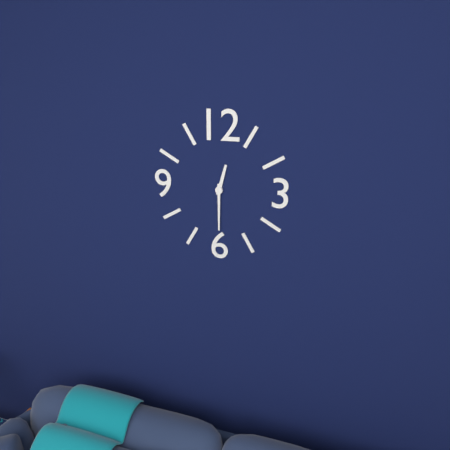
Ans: h=12 m=30
